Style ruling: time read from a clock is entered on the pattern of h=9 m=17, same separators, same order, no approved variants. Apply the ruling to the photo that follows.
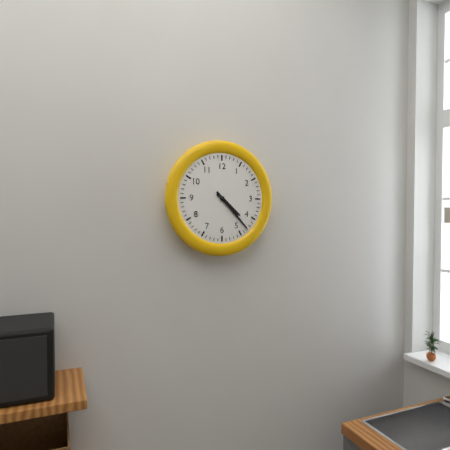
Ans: h=4 m=23
